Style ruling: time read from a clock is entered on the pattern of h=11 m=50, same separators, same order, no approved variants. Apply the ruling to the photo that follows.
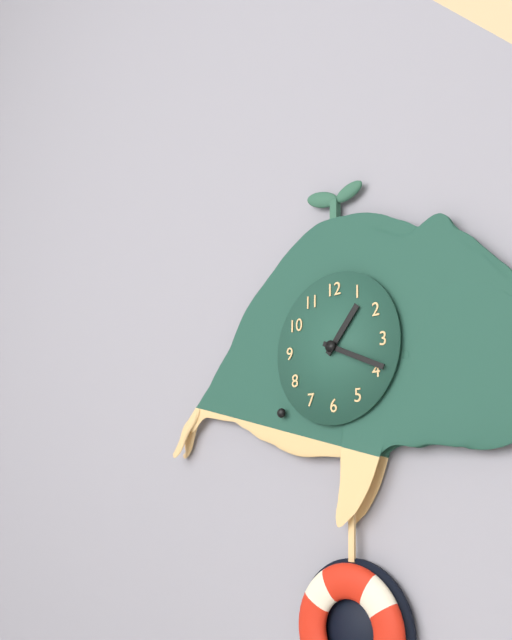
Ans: h=1 m=19
